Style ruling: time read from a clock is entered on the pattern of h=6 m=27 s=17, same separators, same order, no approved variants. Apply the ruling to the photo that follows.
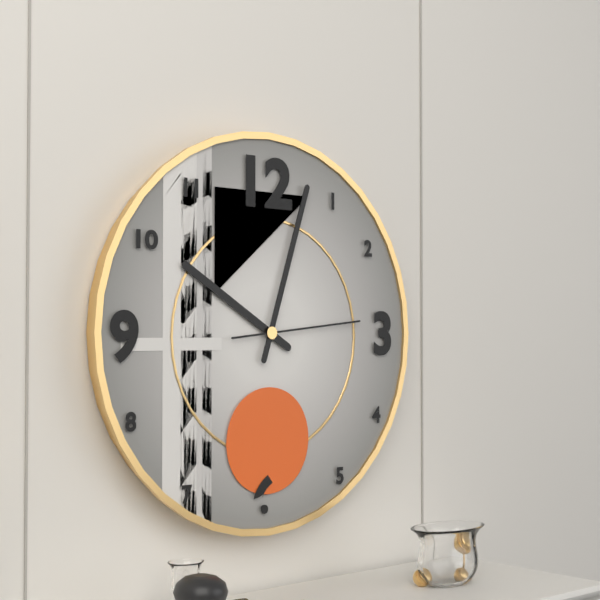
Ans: h=10 m=3 s=14
